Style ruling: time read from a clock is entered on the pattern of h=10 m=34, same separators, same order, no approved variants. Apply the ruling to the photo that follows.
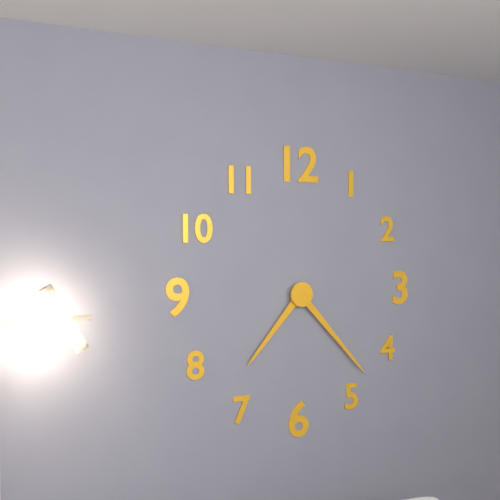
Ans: h=7 m=23
